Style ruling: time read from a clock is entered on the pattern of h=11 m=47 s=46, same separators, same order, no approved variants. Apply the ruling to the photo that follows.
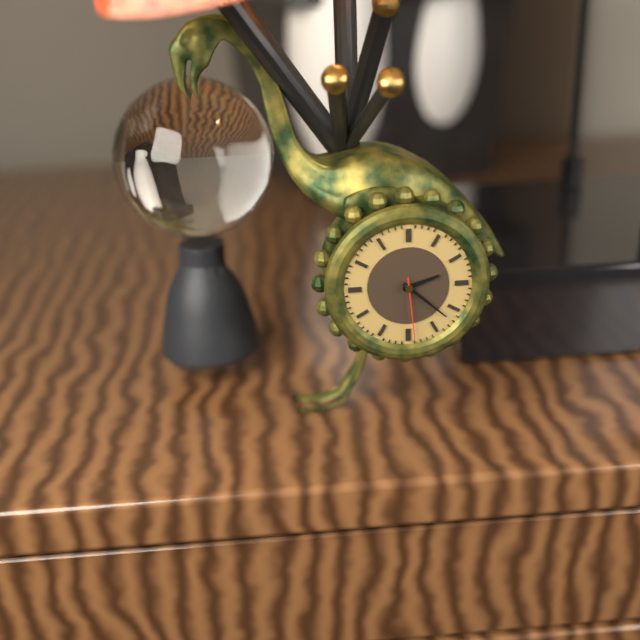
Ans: h=2 m=22 s=29
